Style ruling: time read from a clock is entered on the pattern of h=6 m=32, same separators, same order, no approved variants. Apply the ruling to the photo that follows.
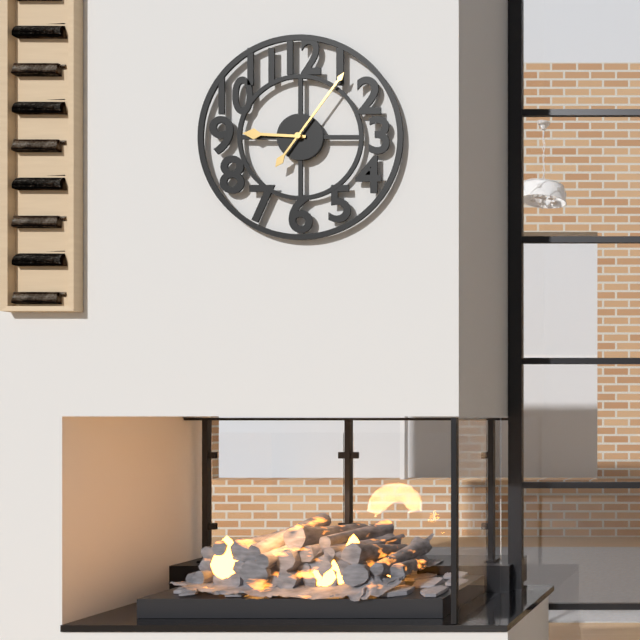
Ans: h=9 m=6
